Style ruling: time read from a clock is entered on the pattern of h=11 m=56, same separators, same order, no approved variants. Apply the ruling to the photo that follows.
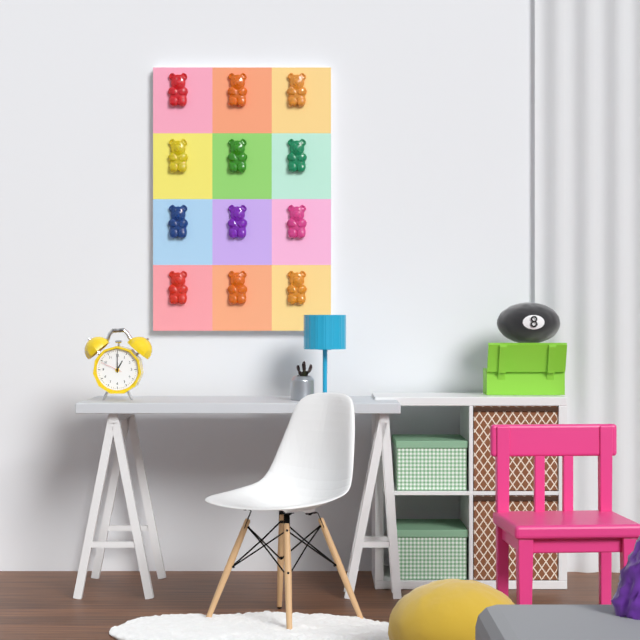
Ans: h=1 m=0
